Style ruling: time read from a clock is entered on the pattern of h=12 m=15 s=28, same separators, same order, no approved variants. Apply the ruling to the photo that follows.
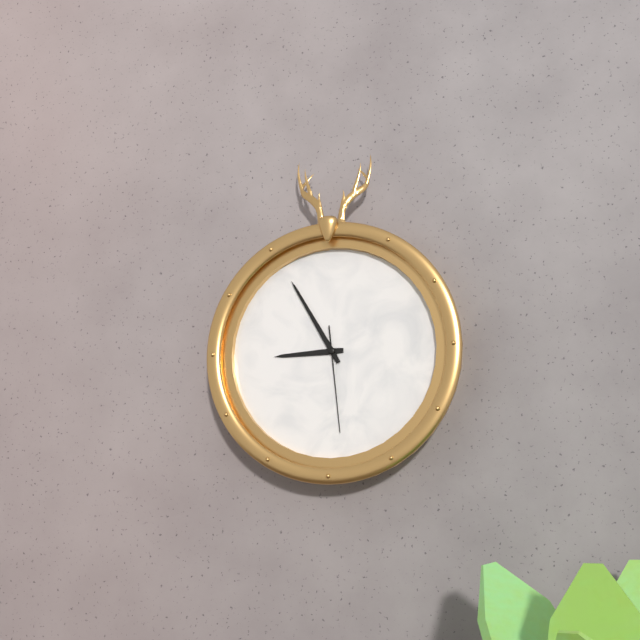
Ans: h=8 m=55 s=29
